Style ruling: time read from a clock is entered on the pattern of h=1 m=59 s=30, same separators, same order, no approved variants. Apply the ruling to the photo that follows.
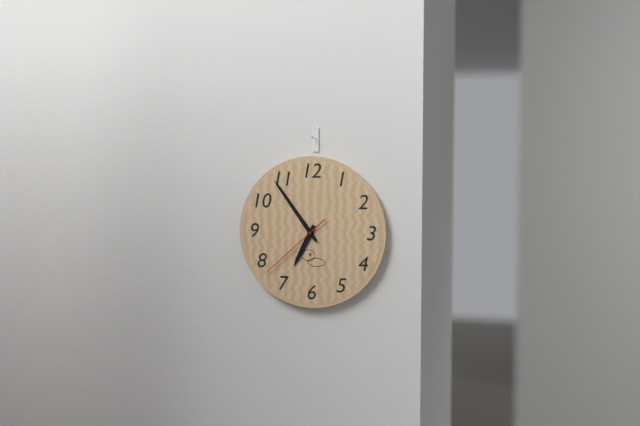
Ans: h=6 m=54 s=38
